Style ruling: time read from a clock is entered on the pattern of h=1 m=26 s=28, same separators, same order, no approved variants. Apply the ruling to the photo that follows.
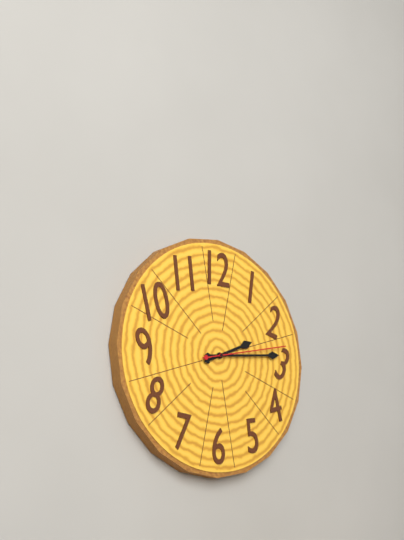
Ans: h=2 m=14 s=13
